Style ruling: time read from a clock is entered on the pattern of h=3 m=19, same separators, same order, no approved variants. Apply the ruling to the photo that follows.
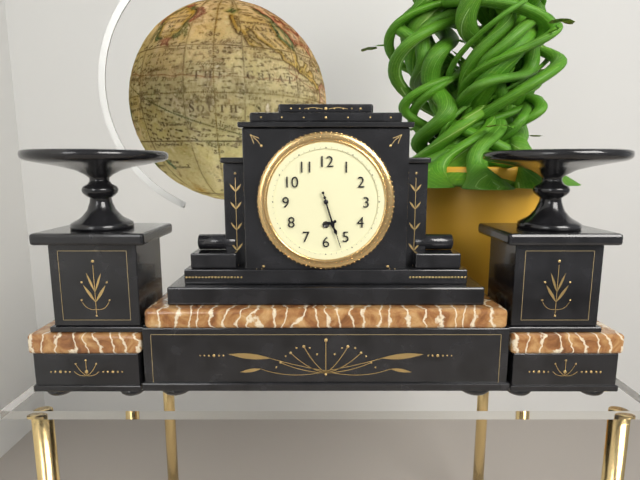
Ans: h=5 m=27
